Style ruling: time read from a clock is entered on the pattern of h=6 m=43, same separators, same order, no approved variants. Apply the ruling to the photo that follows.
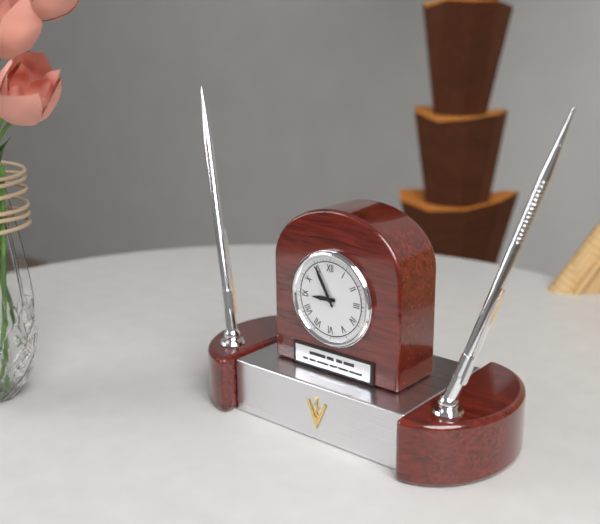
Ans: h=8 m=55
